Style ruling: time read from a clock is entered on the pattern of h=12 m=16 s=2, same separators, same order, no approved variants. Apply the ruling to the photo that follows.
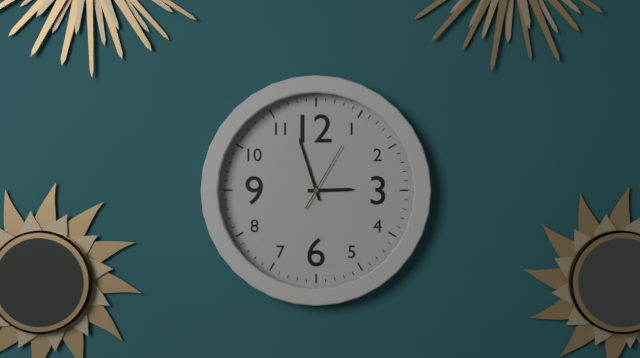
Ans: h=2 m=57 s=5
